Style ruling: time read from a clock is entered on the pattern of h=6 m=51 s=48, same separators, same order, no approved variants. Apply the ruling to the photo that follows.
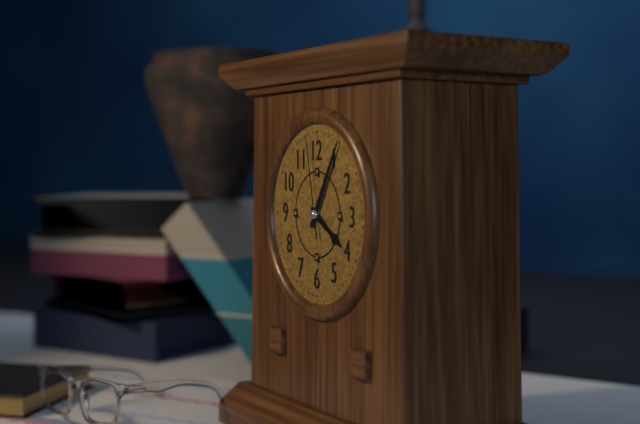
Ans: h=4 m=5 s=58
